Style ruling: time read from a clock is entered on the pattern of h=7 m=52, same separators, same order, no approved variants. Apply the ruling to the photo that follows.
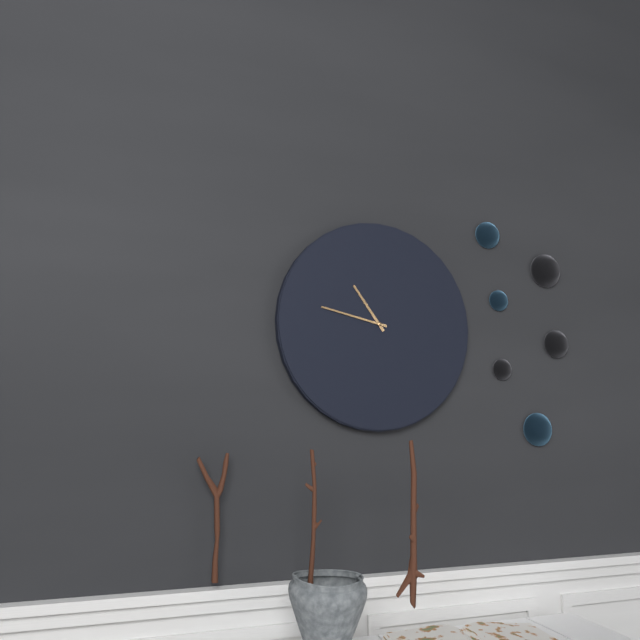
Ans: h=10 m=47
